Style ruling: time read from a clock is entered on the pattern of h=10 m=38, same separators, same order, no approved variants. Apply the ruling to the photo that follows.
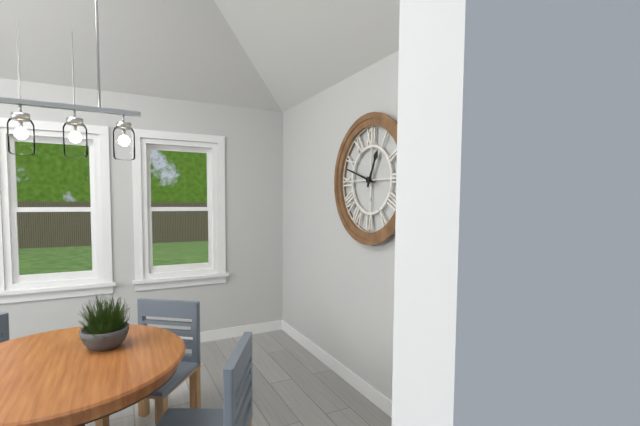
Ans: h=12 m=48
